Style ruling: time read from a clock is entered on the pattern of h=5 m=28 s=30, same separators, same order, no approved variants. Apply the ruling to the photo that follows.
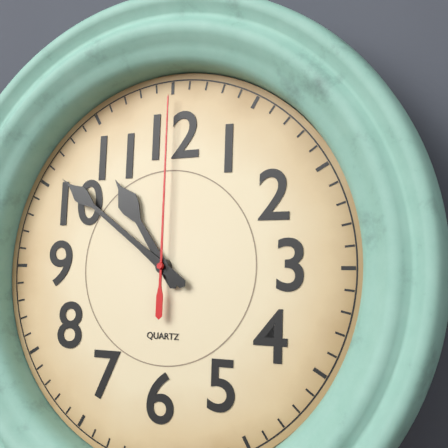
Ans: h=10 m=51 s=0
